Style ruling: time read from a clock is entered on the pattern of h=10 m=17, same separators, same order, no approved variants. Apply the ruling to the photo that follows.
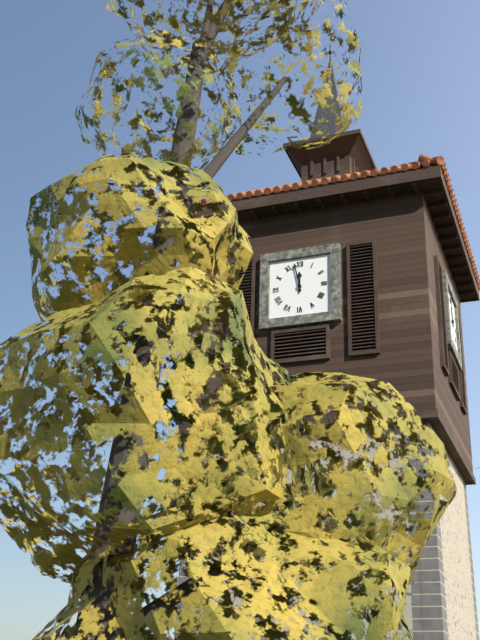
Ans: h=11 m=58
